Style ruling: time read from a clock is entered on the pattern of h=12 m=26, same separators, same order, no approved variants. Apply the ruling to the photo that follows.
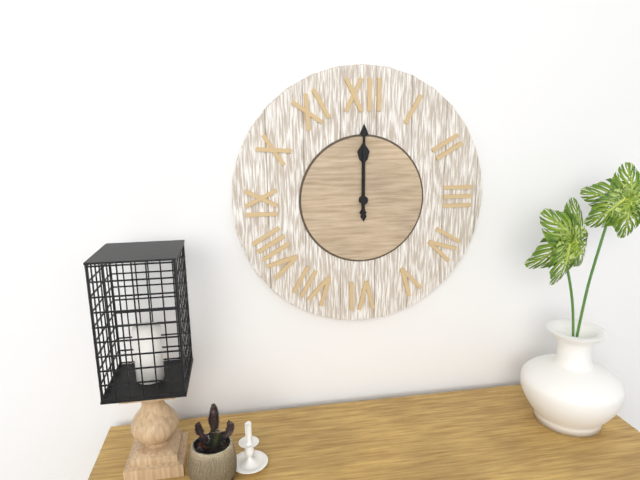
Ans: h=12 m=0
